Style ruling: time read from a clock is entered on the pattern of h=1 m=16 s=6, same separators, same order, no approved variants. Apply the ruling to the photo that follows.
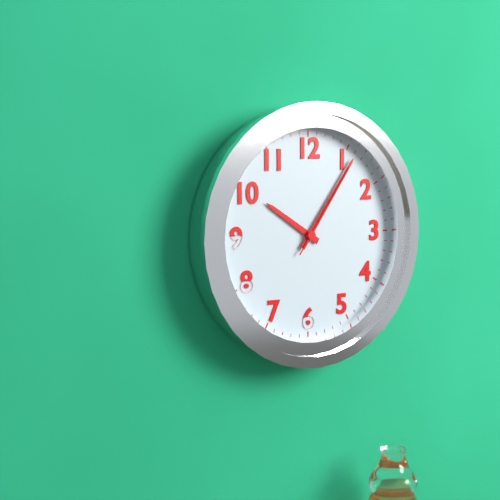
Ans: h=10 m=6 s=6
